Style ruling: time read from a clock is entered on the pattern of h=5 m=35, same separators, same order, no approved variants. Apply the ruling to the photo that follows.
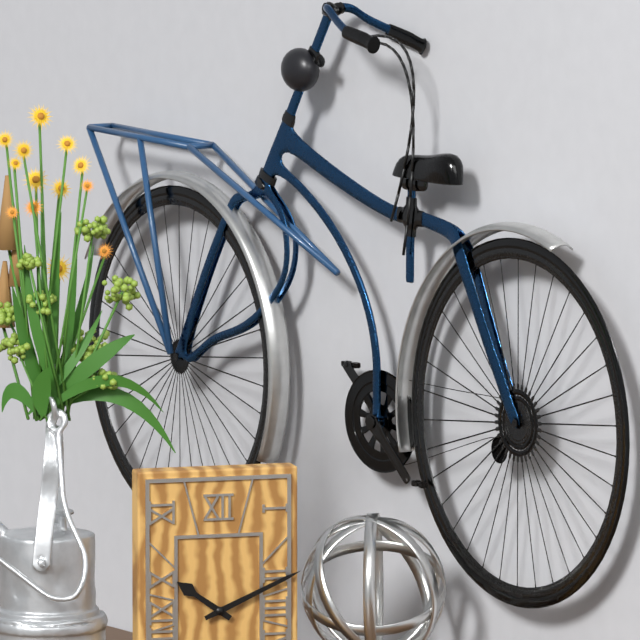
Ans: h=10 m=11
